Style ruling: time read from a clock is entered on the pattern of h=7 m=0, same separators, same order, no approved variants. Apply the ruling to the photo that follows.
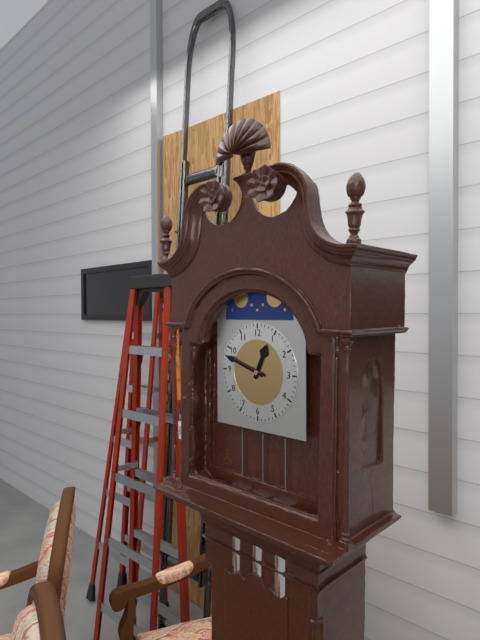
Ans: h=12 m=48
